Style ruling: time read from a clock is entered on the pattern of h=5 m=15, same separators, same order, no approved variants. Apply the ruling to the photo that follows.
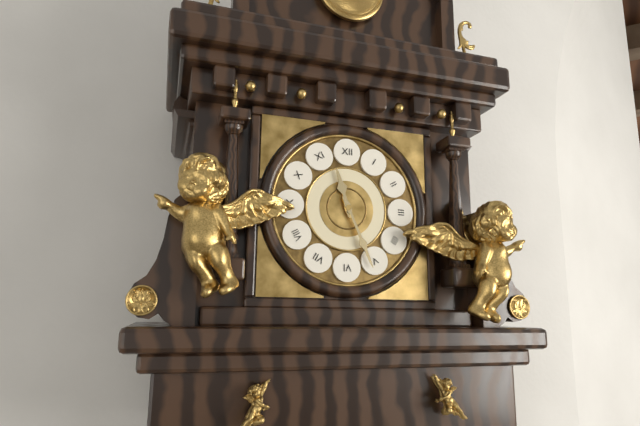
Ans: h=11 m=26
